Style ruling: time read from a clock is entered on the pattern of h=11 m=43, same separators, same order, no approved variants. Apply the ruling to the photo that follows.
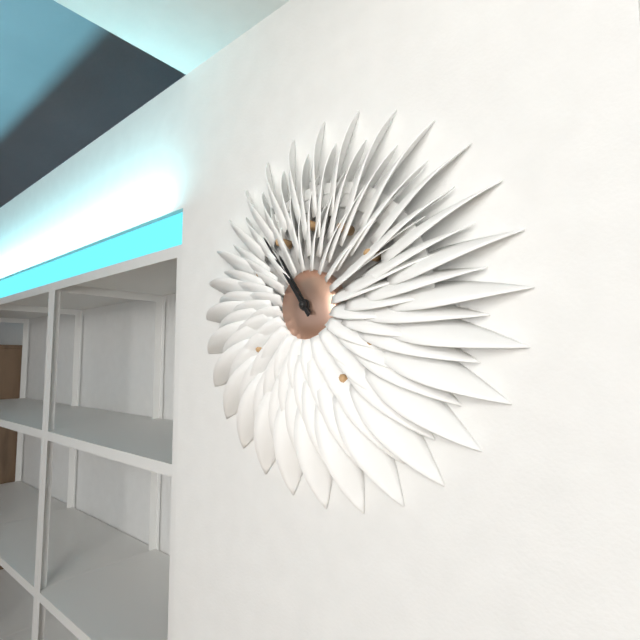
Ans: h=10 m=54
